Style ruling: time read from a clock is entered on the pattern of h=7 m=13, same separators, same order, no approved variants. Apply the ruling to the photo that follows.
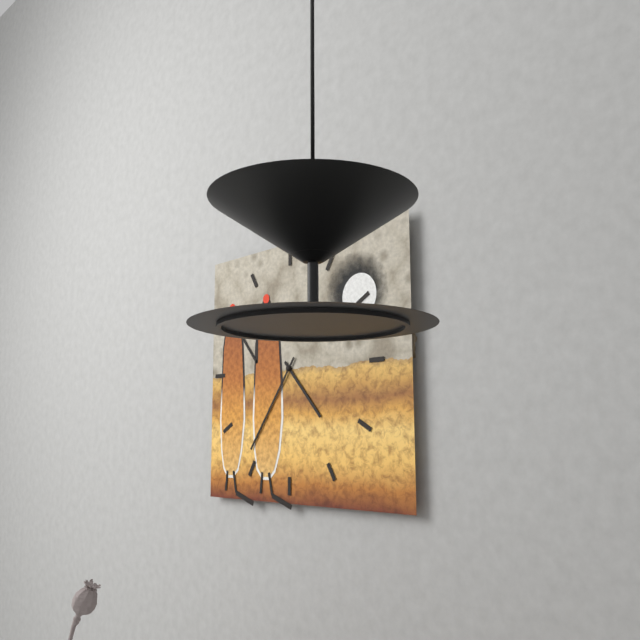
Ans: h=4 m=36
